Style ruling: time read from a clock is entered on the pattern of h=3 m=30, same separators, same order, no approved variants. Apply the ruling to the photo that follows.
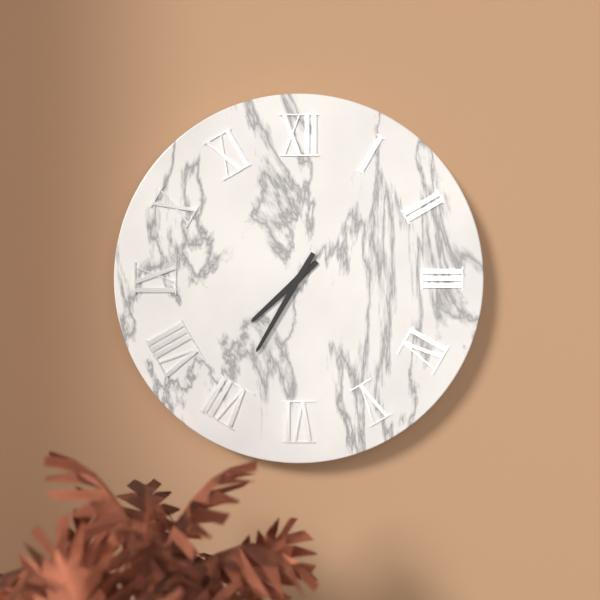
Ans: h=7 m=35
